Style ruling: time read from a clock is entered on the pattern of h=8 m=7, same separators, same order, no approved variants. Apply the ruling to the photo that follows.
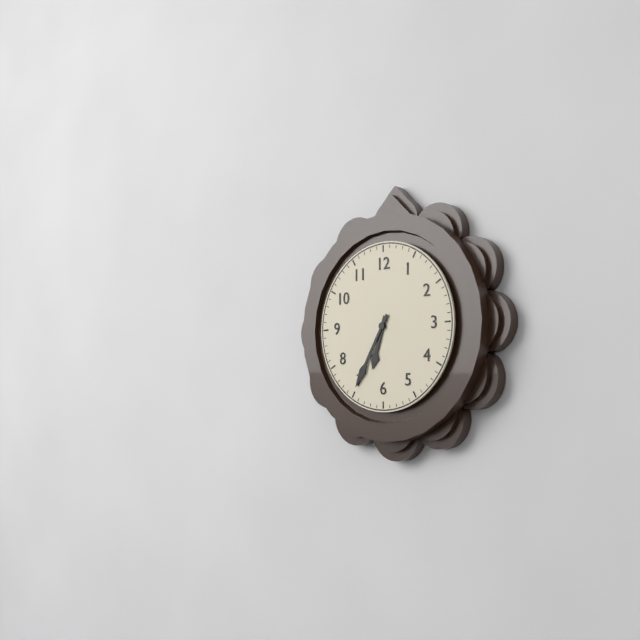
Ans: h=6 m=35
